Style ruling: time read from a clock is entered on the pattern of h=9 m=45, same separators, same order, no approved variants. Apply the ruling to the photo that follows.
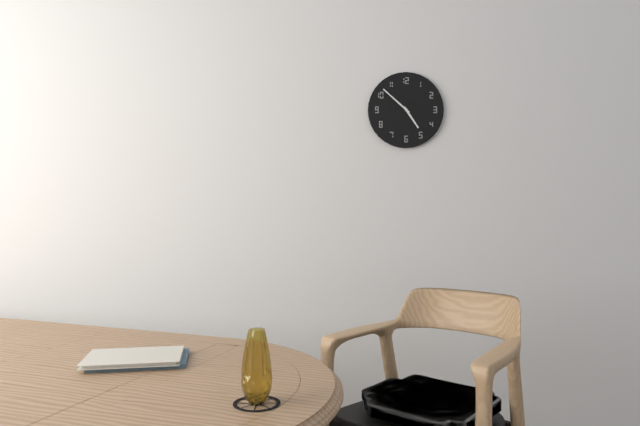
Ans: h=4 m=52
